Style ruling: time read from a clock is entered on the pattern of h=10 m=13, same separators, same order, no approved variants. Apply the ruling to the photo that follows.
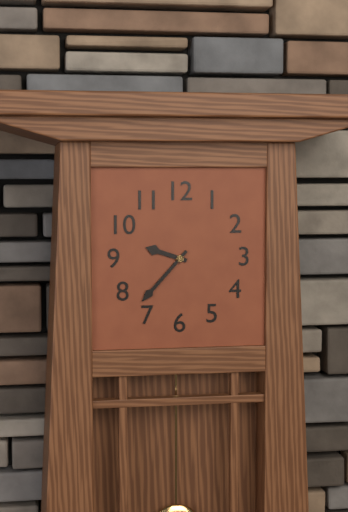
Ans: h=9 m=37
